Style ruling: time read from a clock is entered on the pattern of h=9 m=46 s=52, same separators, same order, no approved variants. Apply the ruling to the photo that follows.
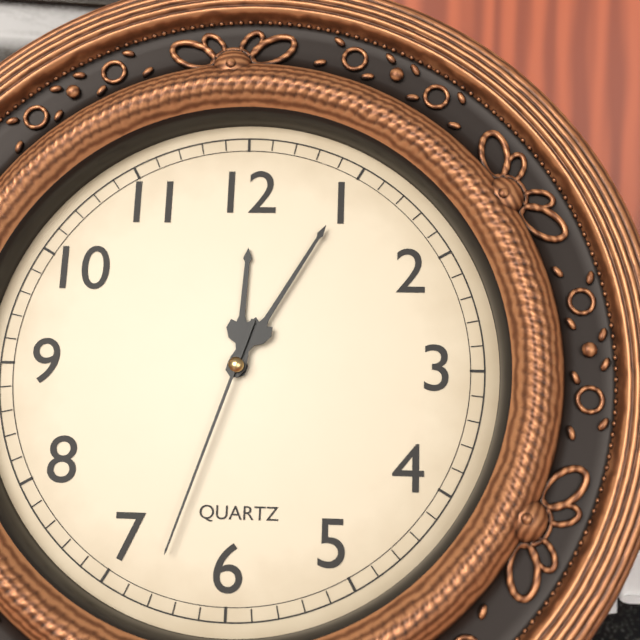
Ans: h=12 m=5 s=33
